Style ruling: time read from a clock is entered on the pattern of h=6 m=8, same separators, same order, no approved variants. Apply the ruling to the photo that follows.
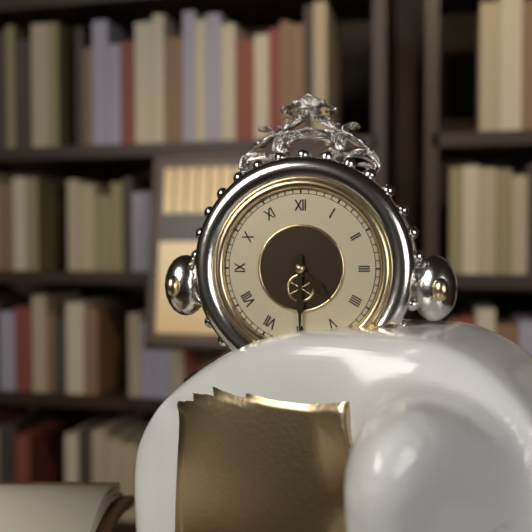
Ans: h=4 m=30
